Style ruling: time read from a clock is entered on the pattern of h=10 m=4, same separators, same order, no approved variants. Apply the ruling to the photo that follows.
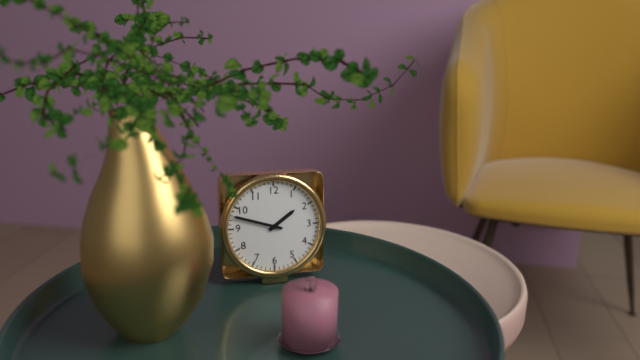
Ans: h=1 m=48
